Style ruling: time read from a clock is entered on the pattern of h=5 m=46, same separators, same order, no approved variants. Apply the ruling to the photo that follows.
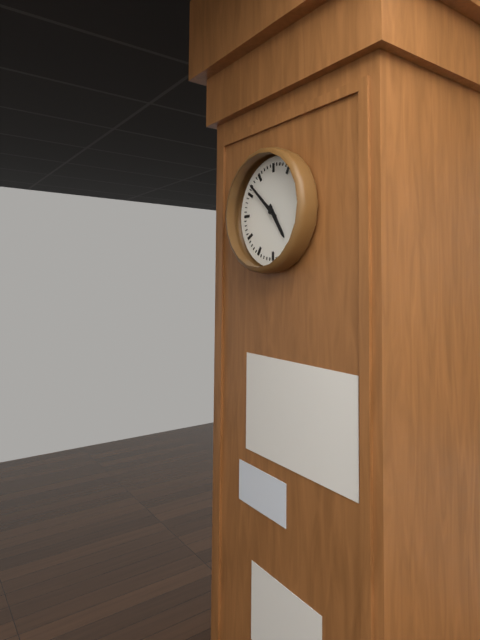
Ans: h=4 m=52
